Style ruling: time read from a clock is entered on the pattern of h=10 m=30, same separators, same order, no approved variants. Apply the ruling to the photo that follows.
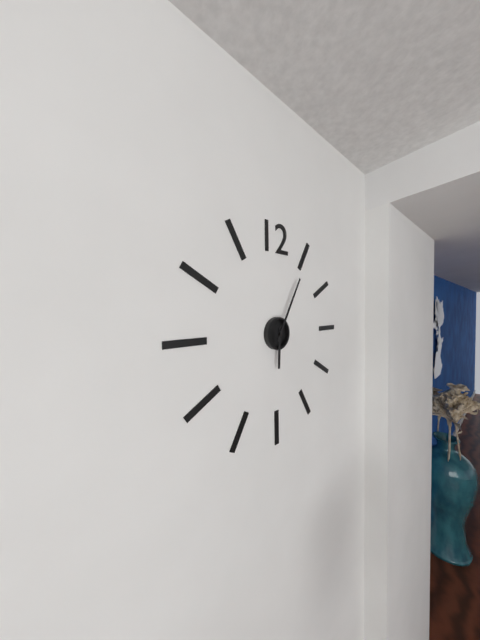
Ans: h=6 m=5
